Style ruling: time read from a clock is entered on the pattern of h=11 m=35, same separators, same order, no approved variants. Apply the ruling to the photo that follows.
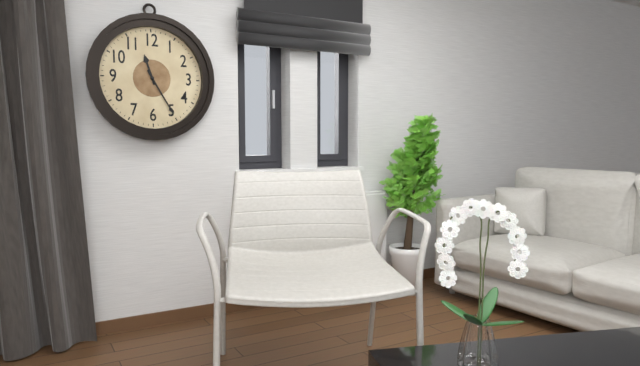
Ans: h=11 m=25
